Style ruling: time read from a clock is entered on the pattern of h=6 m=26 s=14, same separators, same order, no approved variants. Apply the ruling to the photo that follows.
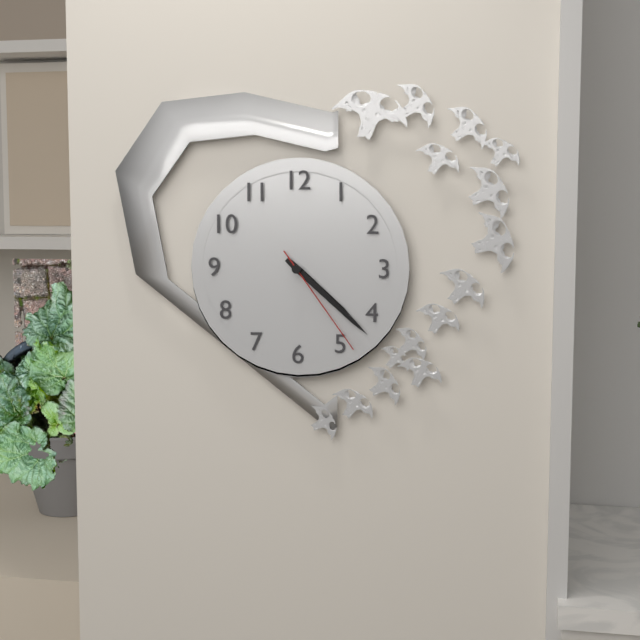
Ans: h=4 m=22 s=24
